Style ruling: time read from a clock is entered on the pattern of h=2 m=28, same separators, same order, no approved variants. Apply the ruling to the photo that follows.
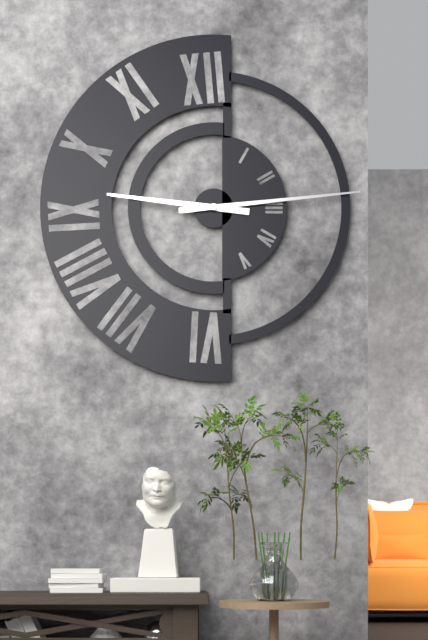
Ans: h=9 m=14
